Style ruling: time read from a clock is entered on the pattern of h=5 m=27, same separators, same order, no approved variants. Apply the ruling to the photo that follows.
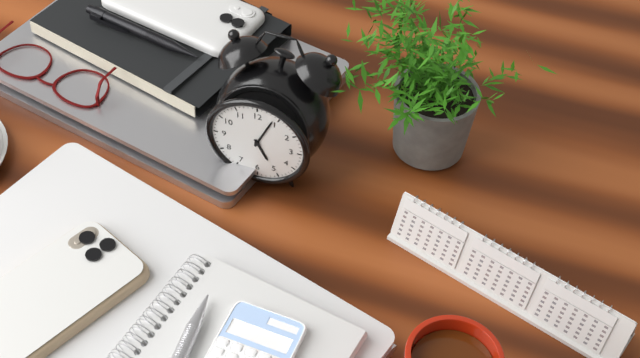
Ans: h=5 m=4
